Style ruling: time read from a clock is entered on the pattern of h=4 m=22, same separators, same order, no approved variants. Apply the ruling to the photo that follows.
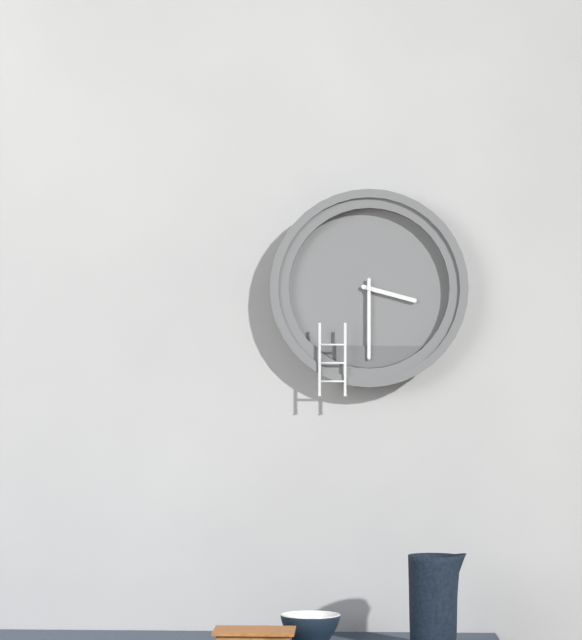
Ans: h=3 m=30
